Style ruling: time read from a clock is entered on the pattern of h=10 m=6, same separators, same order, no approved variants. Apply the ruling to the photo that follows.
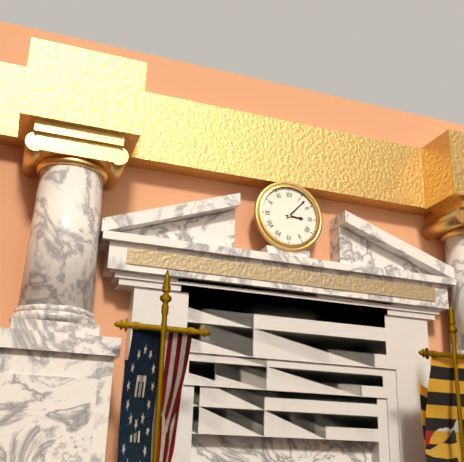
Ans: h=3 m=7
